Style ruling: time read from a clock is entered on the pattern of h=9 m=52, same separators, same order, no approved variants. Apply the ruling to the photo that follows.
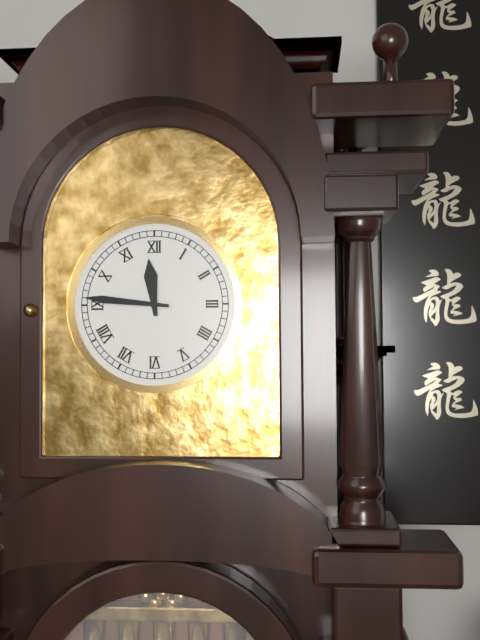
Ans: h=11 m=46
